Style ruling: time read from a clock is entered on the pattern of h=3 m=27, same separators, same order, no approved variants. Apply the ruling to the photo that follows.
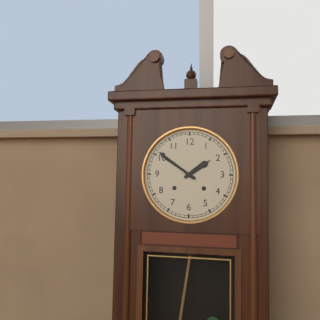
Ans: h=1 m=51
